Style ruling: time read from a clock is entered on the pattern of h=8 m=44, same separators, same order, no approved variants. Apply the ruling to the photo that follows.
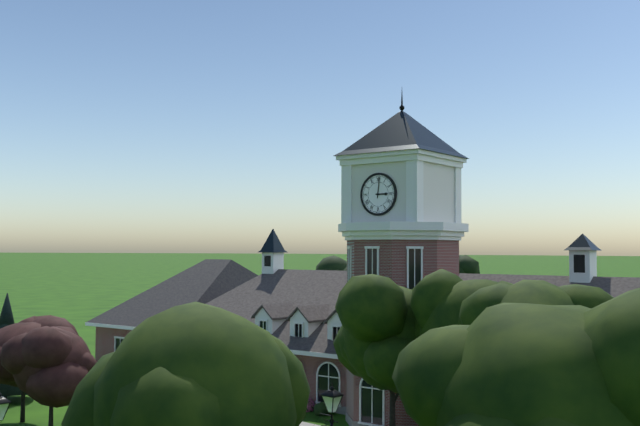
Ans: h=3 m=1
